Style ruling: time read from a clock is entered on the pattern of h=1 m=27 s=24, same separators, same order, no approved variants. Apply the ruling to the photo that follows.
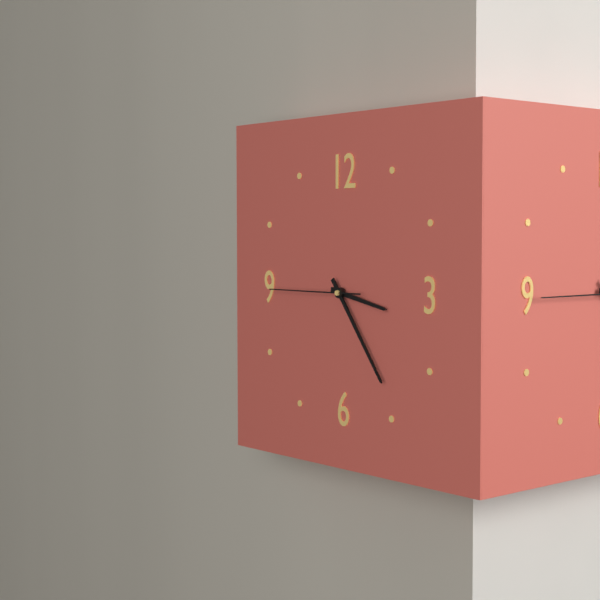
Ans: h=3 m=24 s=45
